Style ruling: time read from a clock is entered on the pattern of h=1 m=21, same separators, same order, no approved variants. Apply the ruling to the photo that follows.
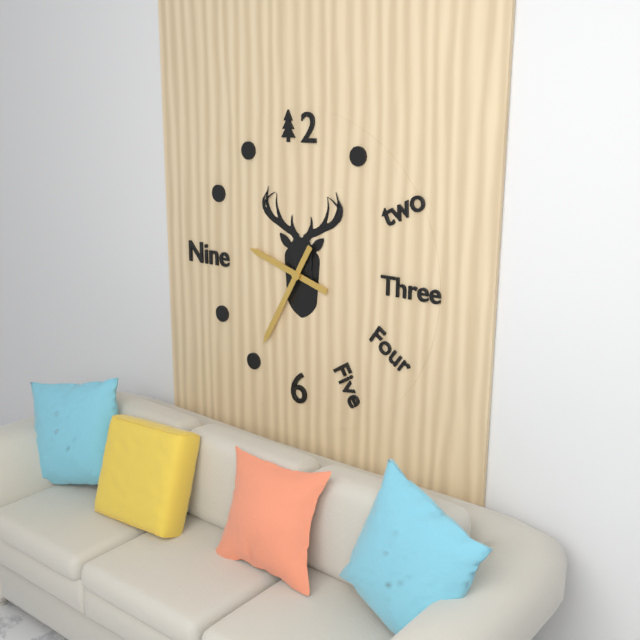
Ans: h=9 m=35
